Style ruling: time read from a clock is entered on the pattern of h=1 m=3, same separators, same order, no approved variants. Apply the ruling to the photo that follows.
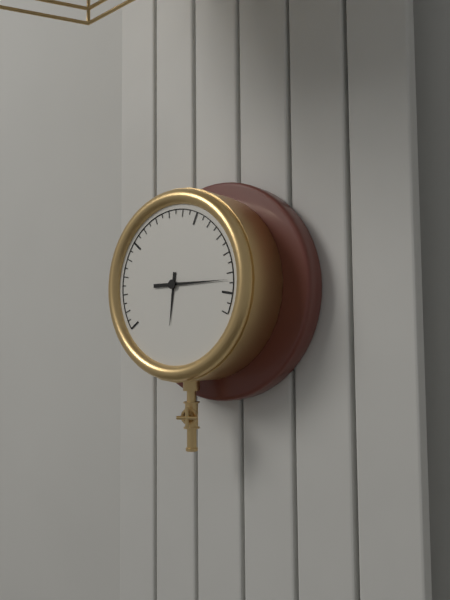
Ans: h=6 m=15
